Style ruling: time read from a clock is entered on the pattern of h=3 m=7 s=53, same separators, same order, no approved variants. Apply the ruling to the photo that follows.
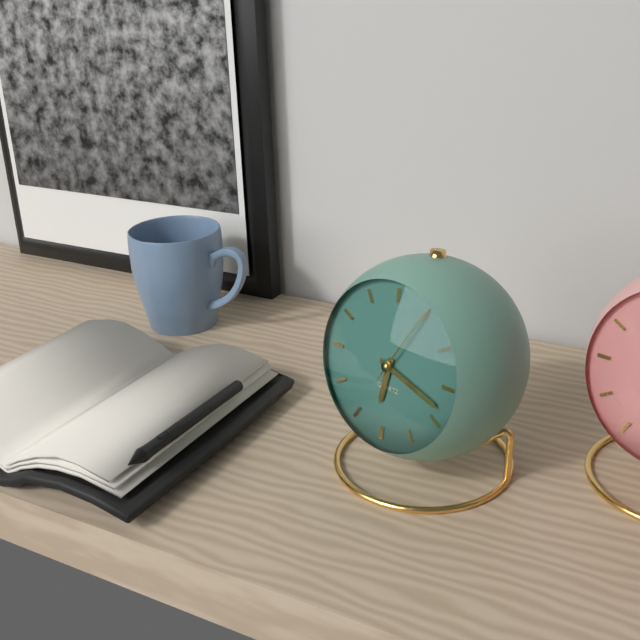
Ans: h=6 m=18 s=5
